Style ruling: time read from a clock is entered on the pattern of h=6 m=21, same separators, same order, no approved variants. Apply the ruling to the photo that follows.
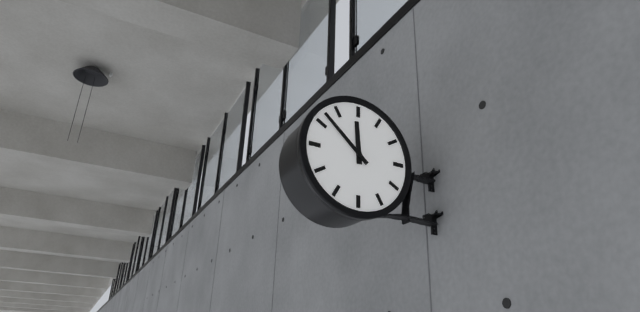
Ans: h=11 m=52
